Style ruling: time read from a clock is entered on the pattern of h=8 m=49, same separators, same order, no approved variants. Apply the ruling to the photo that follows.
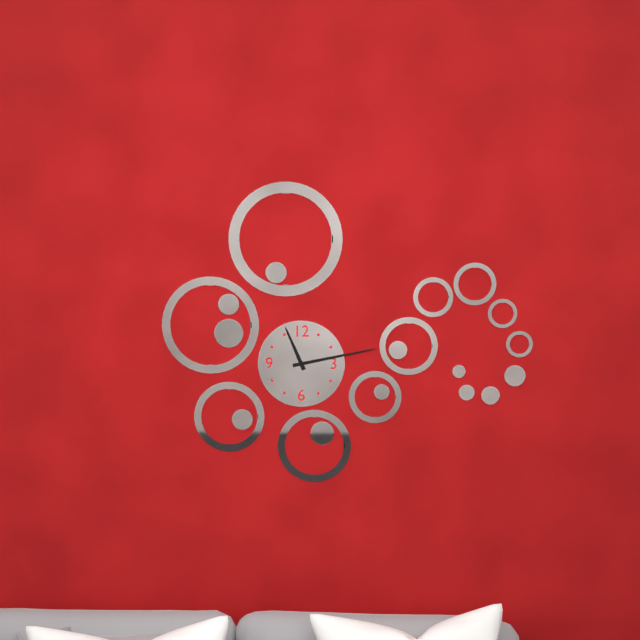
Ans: h=11 m=13
